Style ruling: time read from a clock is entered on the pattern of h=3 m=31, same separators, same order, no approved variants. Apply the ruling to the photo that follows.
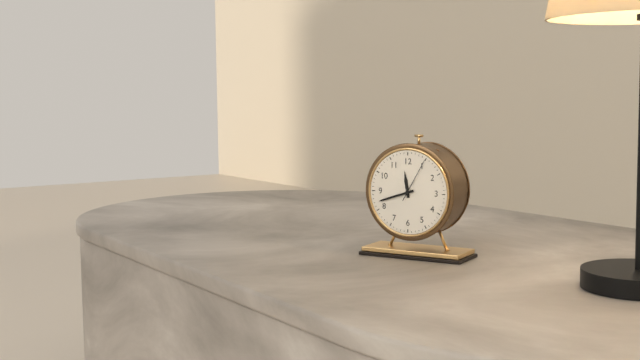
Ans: h=11 m=42
